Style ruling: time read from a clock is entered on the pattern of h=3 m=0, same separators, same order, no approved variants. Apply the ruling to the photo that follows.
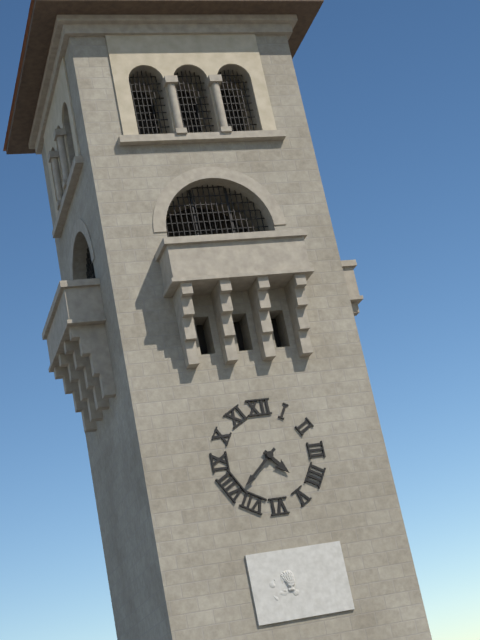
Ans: h=4 m=38
